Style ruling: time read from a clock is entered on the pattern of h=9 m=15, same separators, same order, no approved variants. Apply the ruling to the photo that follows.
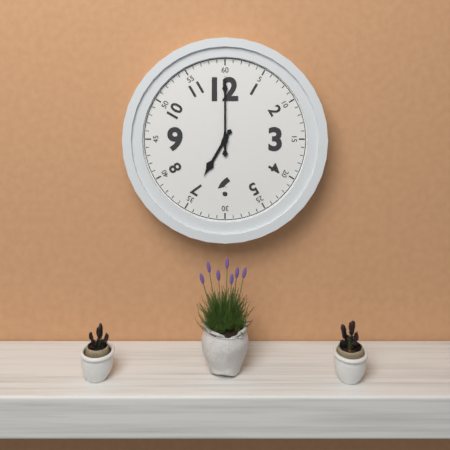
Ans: h=7 m=0
